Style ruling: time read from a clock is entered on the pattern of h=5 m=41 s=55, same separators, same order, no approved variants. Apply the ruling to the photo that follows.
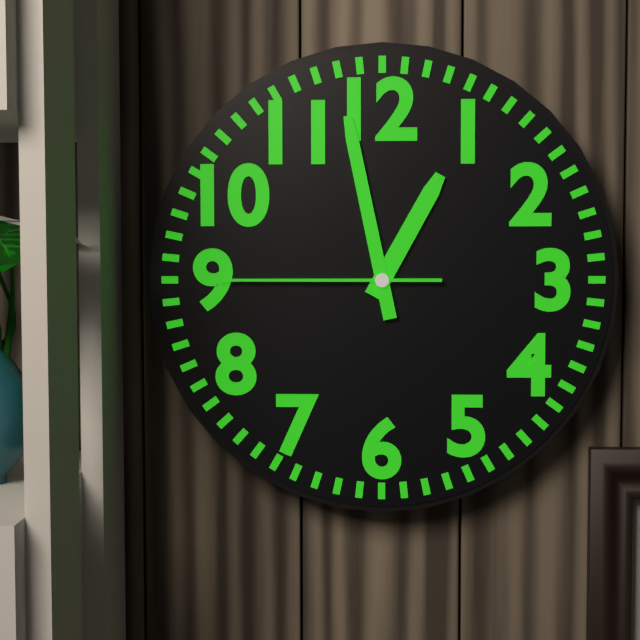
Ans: h=12 m=58 s=45
